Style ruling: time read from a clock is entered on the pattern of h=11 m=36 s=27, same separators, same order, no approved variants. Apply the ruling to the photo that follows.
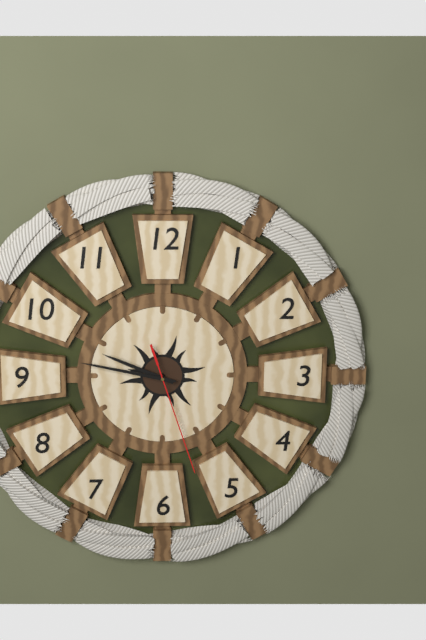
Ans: h=9 m=47 s=27
